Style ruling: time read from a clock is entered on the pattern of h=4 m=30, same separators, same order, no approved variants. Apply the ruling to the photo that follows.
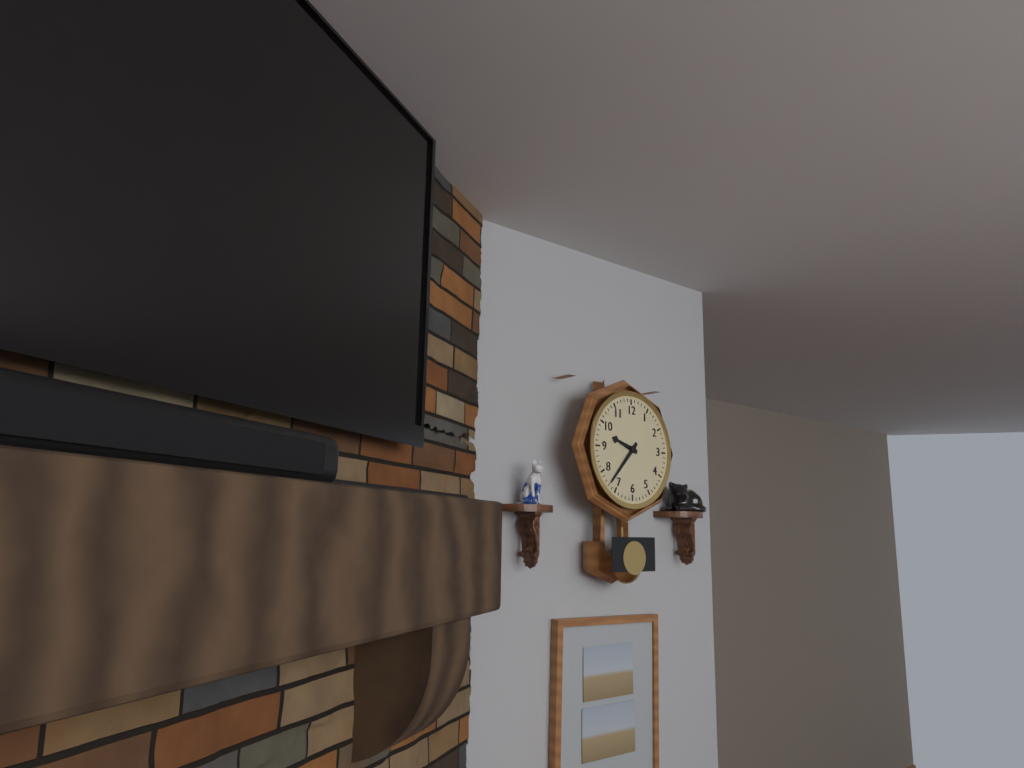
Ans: h=9 m=37
